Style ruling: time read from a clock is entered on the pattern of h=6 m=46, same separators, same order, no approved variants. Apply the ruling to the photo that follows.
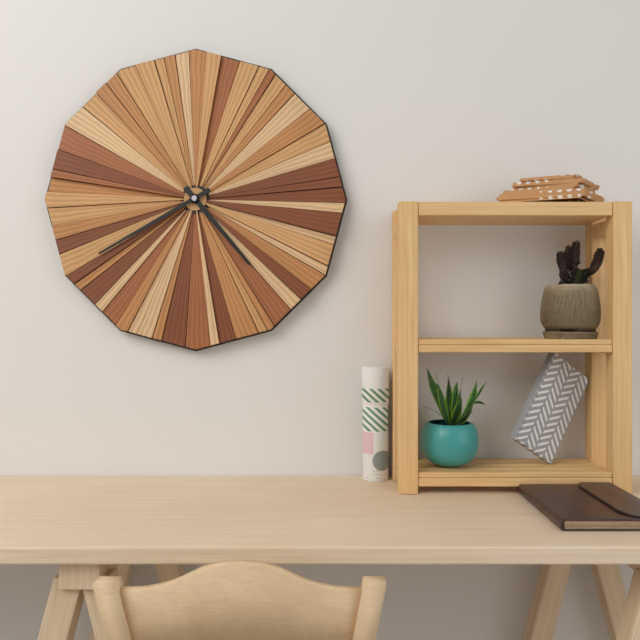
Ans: h=4 m=40
